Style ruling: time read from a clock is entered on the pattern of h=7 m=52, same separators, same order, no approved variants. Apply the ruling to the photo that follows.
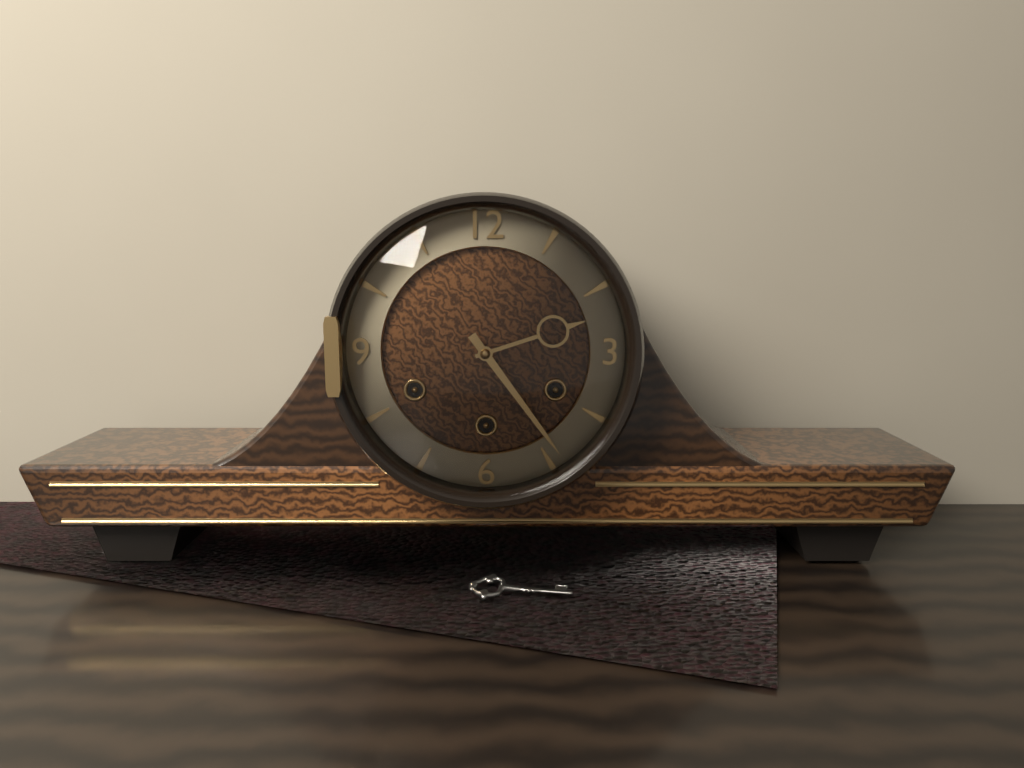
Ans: h=2 m=24
